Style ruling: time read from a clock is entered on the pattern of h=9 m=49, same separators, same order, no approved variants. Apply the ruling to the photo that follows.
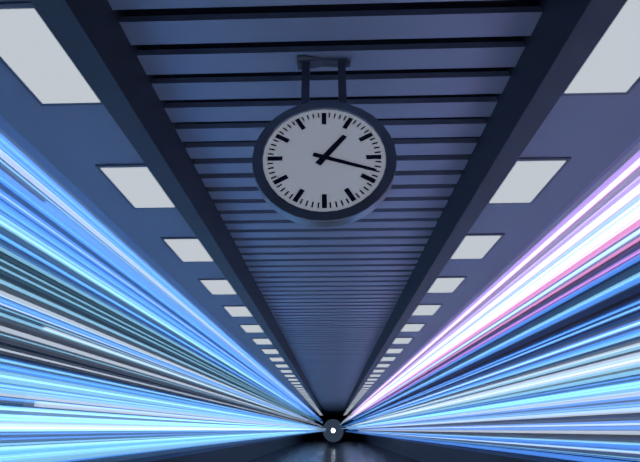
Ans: h=1 m=18
